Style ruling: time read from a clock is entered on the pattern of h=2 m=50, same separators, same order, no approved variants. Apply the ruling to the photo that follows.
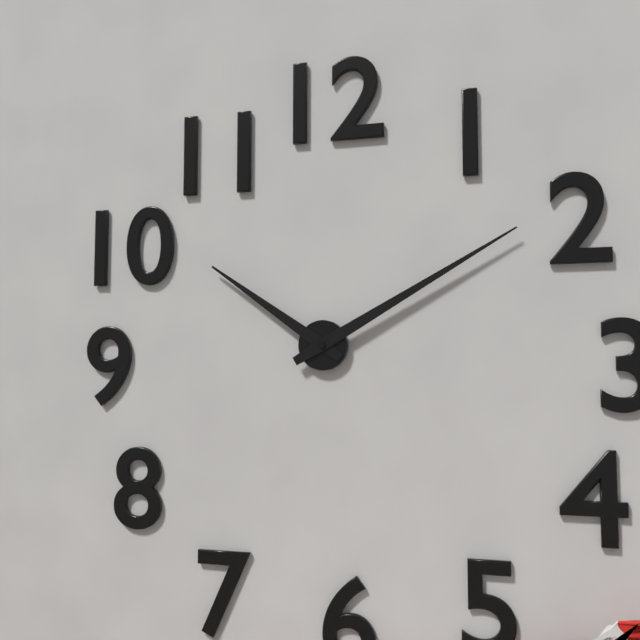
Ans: h=10 m=10
